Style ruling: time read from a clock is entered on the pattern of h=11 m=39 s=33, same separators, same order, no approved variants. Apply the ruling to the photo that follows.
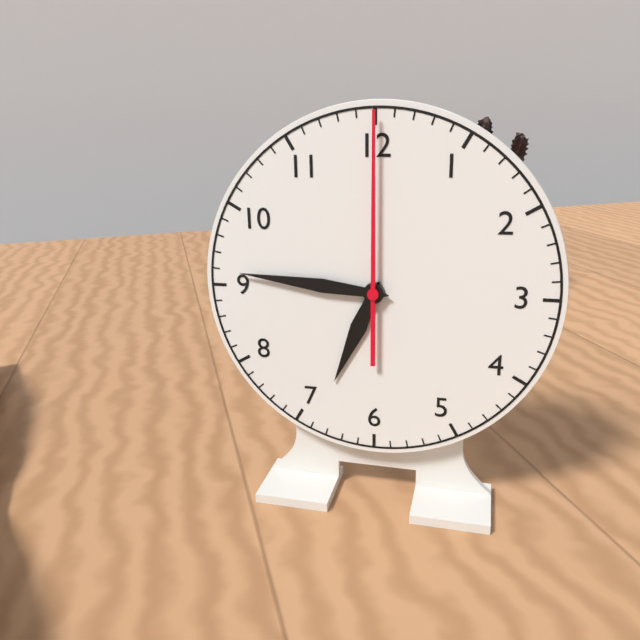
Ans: h=6 m=46 s=0
